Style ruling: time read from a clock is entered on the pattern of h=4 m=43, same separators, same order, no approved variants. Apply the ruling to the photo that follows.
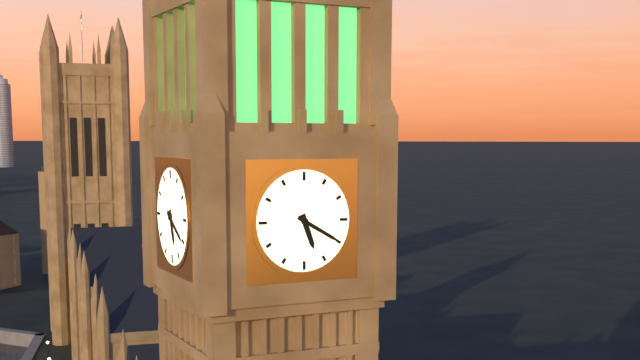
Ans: h=5 m=20
